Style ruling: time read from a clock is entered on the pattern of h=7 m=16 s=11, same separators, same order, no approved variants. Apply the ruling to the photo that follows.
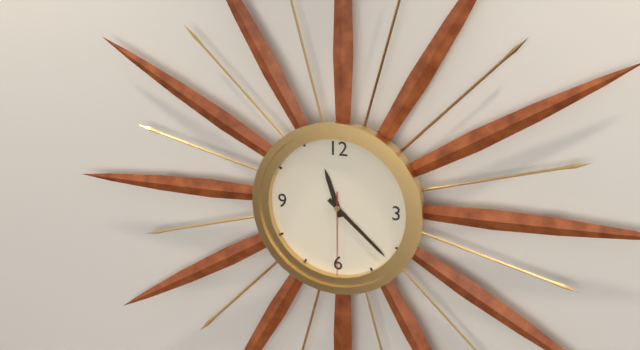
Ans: h=11 m=22 s=30
